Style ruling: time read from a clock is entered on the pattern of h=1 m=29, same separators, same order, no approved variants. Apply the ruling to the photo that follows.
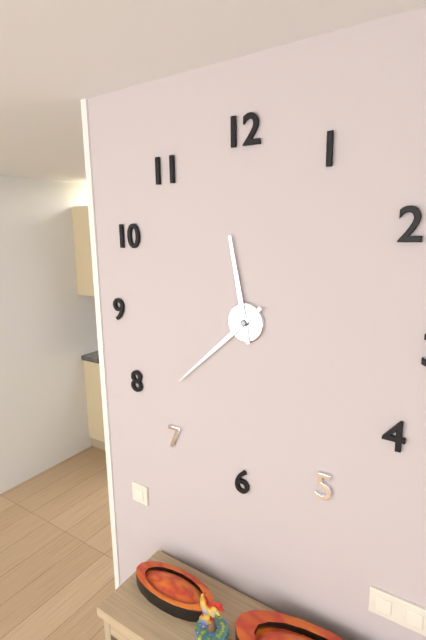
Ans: h=11 m=38
